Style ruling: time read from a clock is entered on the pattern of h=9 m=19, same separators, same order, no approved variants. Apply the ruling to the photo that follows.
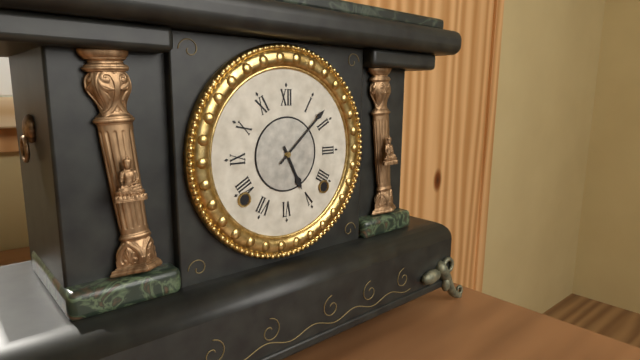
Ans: h=5 m=8
